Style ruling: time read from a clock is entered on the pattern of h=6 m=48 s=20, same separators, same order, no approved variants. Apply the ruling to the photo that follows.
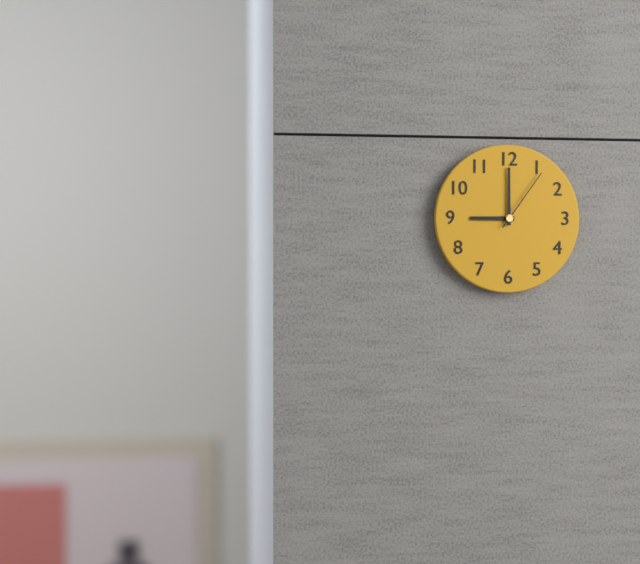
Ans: h=9 m=0 s=6
